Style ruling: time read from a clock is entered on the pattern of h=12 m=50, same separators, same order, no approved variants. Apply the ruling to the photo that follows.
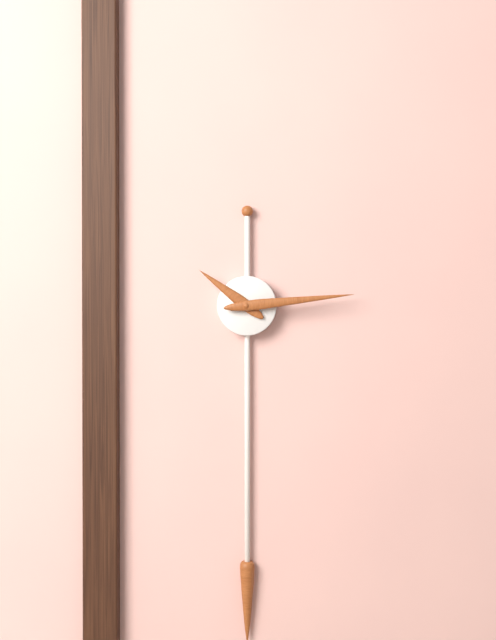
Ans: h=10 m=14
